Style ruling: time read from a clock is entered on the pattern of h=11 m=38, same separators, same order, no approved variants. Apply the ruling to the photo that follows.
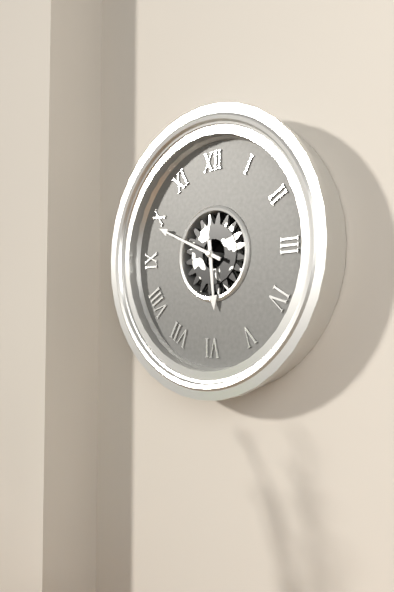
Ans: h=5 m=49
